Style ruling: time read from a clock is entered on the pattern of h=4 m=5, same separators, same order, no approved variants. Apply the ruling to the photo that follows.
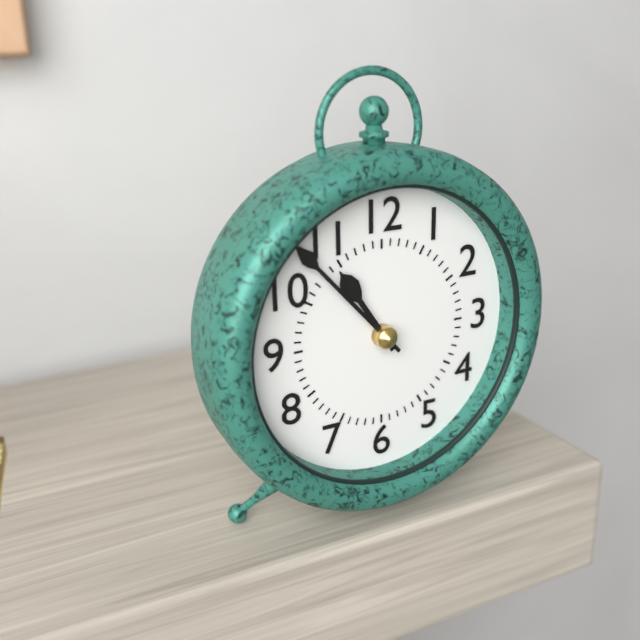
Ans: h=10 m=53
